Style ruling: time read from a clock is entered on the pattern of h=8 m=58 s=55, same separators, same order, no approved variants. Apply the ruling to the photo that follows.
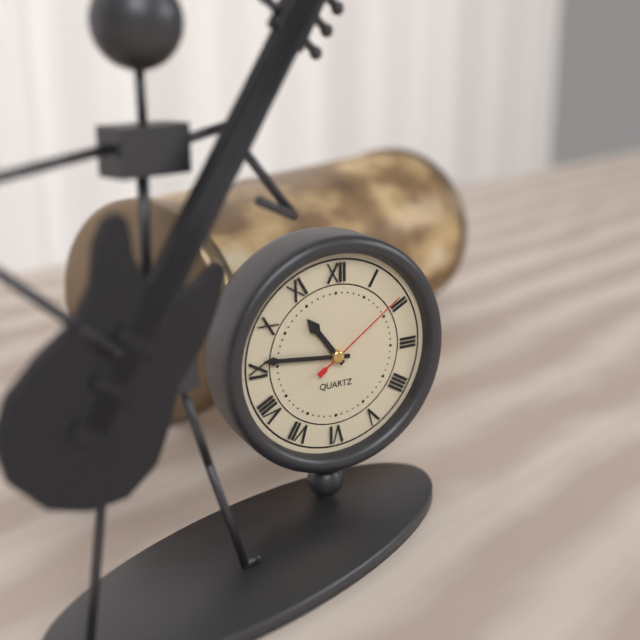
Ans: h=10 m=46 s=9
